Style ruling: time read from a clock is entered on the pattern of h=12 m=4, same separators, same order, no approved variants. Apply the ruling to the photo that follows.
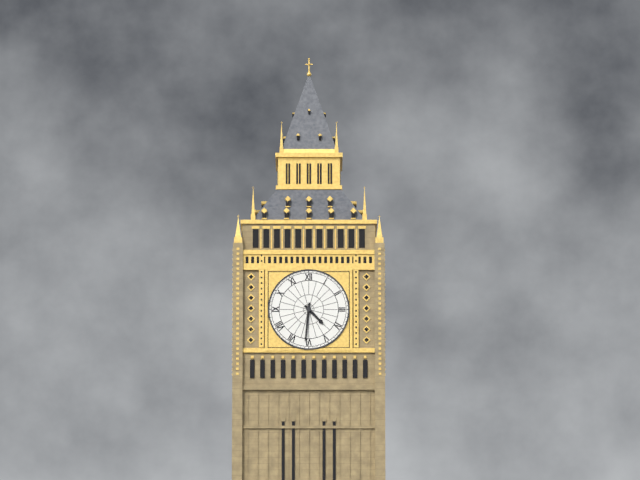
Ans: h=4 m=31
